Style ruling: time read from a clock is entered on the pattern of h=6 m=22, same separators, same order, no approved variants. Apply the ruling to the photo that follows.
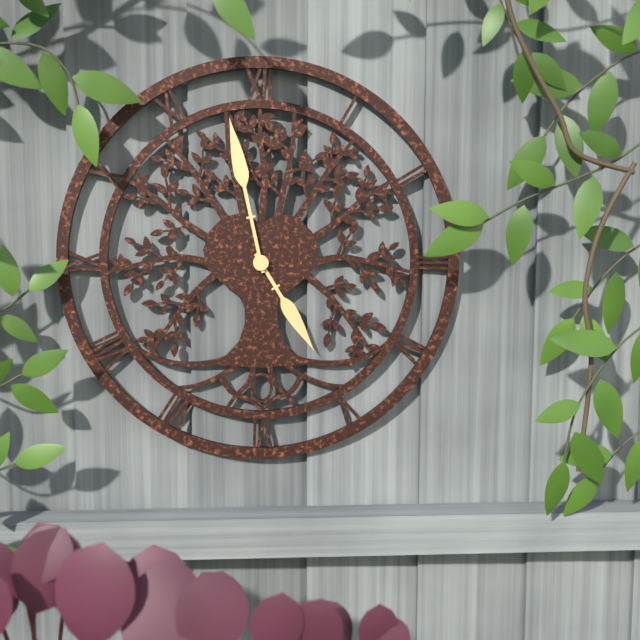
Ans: h=4 m=58
